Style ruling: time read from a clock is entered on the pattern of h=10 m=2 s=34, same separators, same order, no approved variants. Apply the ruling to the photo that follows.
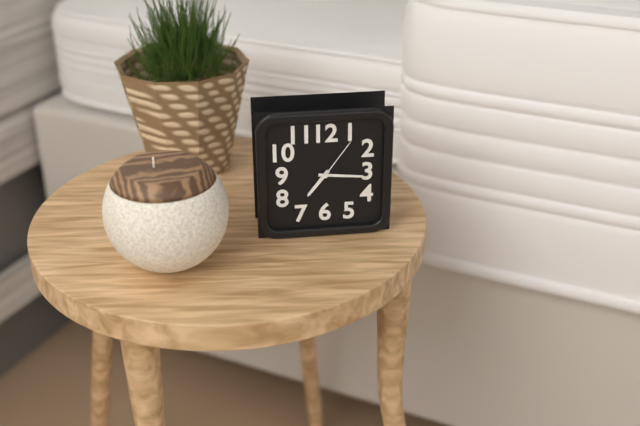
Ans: h=7 m=16 s=6
